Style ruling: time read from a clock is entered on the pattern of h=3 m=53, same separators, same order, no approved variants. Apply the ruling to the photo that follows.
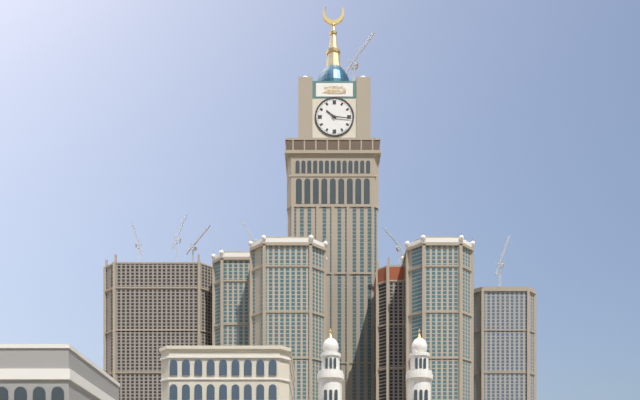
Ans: h=10 m=16
